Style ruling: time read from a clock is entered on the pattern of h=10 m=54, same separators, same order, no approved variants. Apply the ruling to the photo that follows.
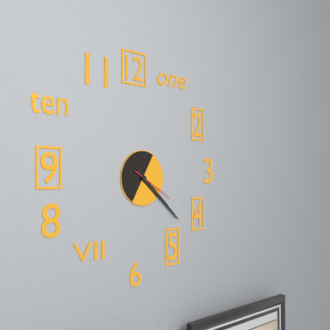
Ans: h=4 m=22
